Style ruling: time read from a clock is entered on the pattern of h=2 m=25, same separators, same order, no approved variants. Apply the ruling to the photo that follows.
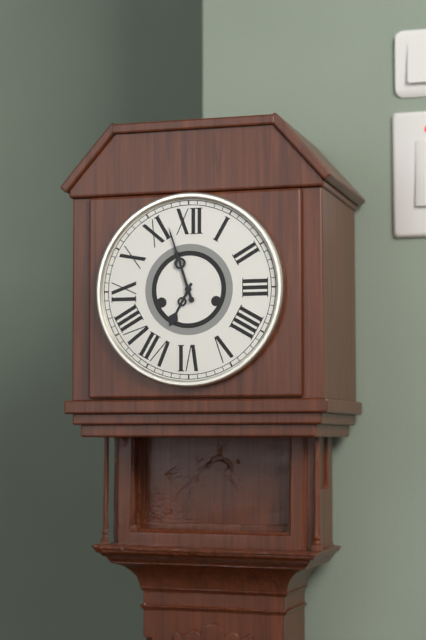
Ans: h=6 m=57
